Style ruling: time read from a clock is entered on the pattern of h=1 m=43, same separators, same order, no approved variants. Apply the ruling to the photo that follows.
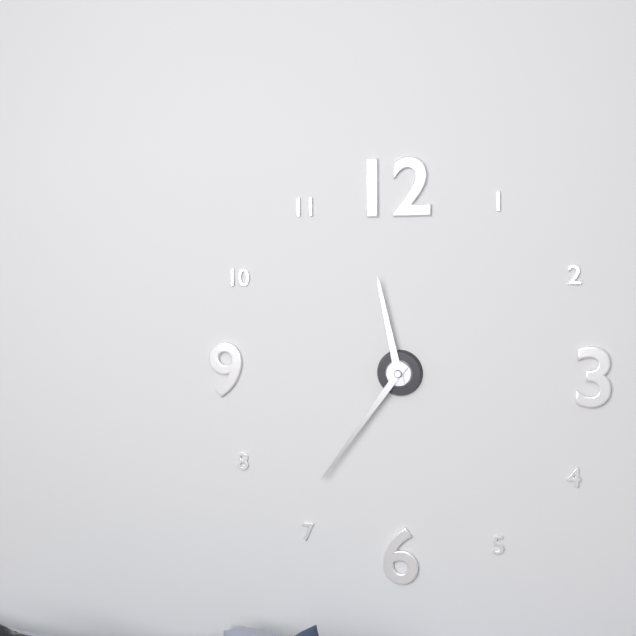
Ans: h=11 m=36
